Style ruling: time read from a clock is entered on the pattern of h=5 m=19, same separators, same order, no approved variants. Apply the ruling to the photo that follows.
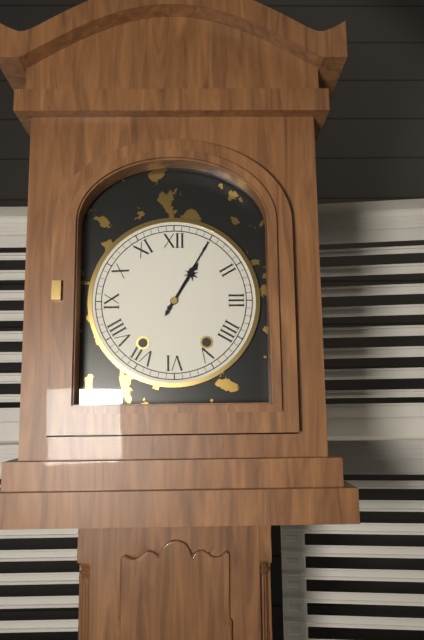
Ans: h=1 m=5
